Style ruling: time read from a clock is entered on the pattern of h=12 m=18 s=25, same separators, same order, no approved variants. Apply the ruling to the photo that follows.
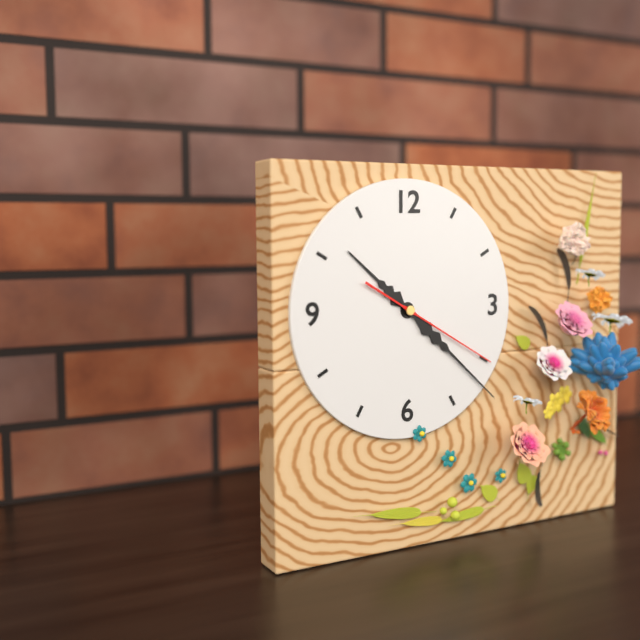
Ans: h=10 m=22 s=20
